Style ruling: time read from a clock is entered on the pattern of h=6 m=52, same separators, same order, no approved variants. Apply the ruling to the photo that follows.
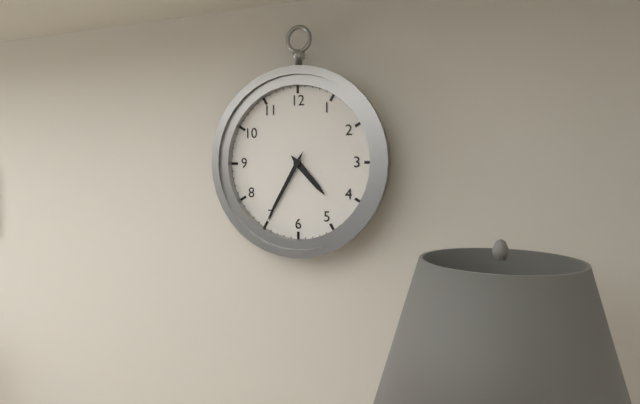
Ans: h=4 m=35
